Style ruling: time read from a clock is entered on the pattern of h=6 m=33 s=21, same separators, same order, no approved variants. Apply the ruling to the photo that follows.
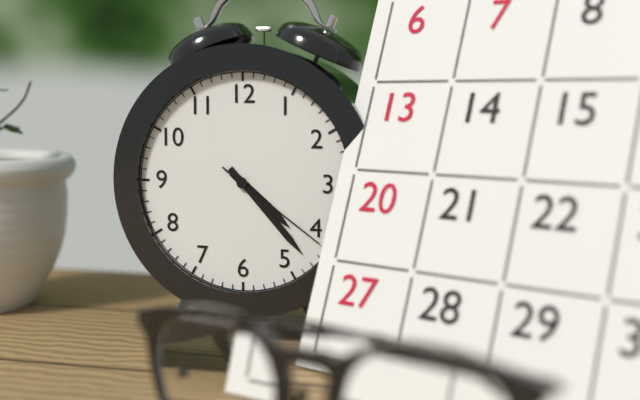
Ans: h=4 m=23 s=21
